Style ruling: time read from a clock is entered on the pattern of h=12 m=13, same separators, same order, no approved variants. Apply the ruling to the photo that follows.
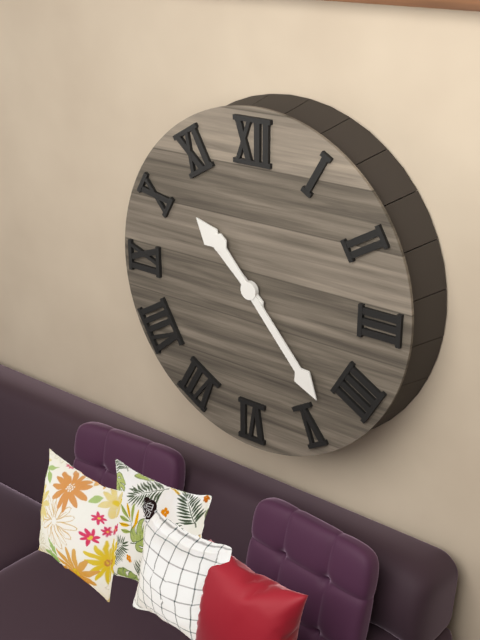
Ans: h=10 m=23
